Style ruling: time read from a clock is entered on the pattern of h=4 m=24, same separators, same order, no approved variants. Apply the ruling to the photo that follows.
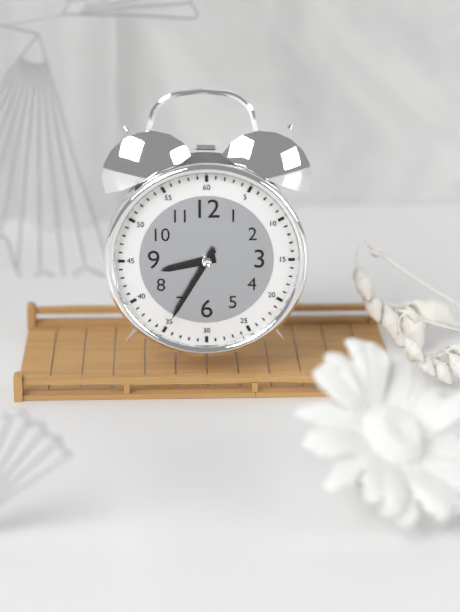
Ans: h=8 m=35
